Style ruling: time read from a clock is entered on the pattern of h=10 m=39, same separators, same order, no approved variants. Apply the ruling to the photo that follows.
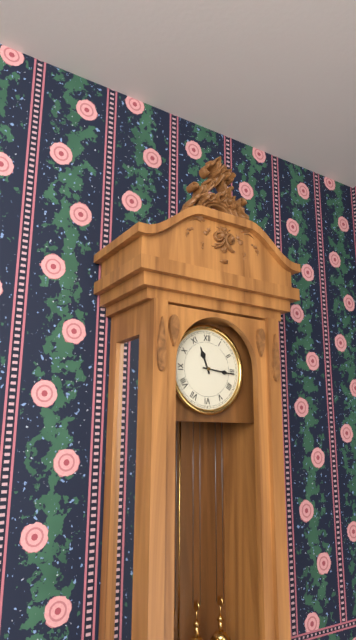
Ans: h=11 m=16
